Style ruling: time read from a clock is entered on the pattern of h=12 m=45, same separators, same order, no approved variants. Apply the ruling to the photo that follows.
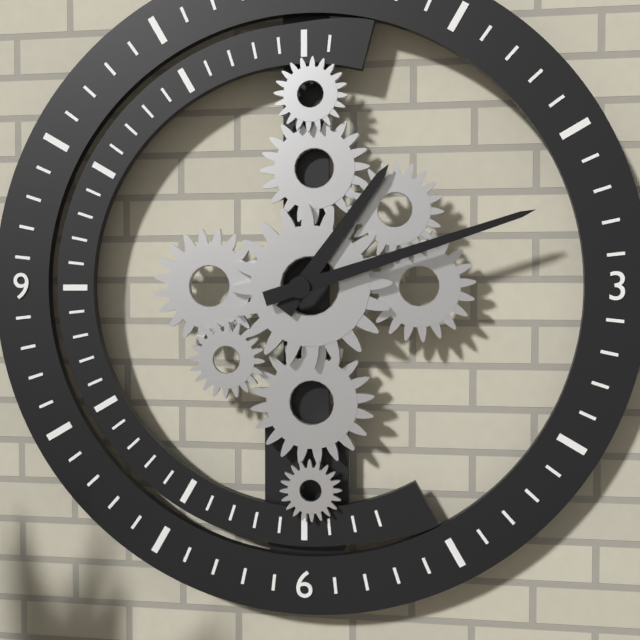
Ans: h=1 m=12
